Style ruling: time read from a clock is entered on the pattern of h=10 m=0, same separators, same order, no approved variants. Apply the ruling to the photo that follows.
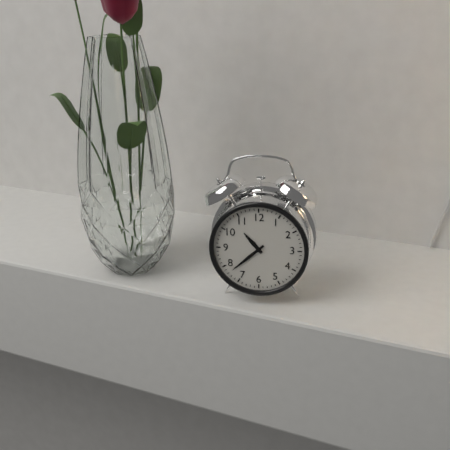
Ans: h=10 m=38
